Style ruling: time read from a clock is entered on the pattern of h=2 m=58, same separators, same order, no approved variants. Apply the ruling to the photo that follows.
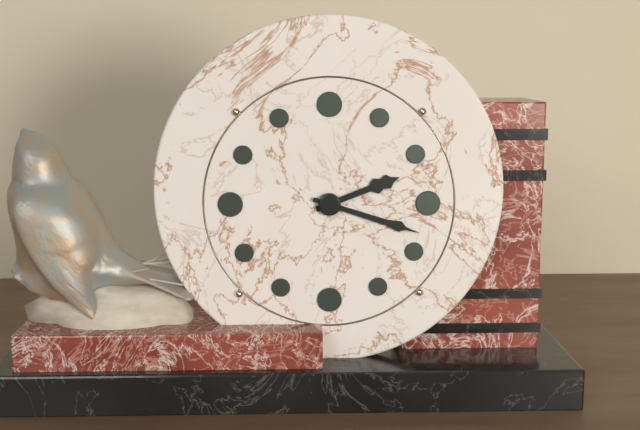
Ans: h=2 m=18
